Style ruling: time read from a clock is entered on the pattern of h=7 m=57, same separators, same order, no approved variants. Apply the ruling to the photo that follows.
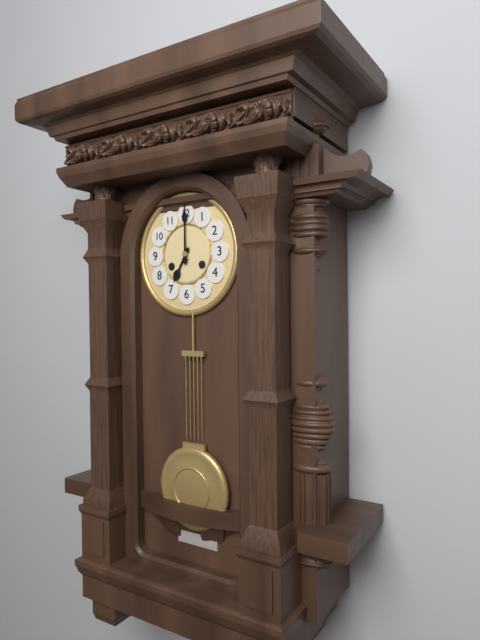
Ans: h=7 m=0
